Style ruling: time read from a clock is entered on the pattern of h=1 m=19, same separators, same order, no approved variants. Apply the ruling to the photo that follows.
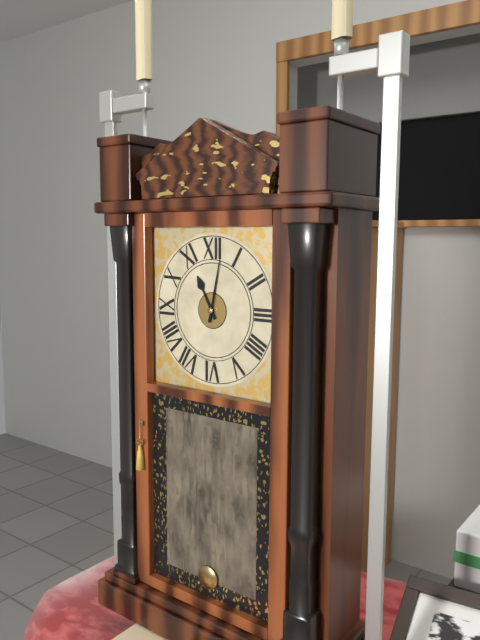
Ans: h=11 m=2
